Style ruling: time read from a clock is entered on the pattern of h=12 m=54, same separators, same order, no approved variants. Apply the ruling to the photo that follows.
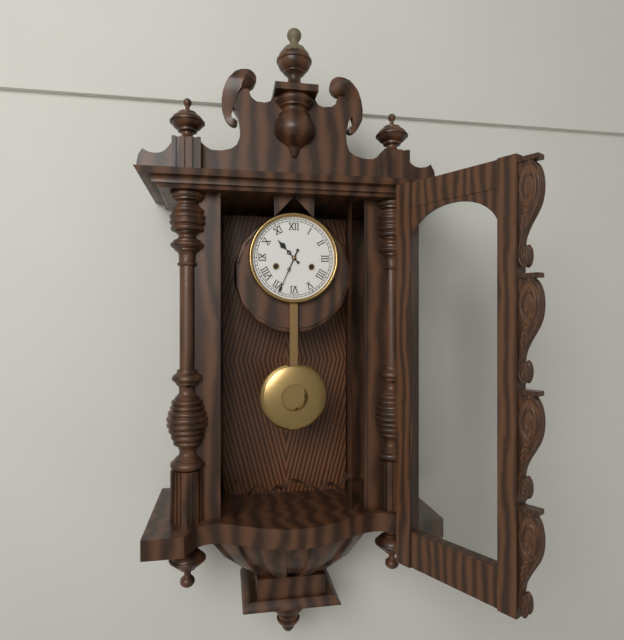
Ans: h=10 m=34
